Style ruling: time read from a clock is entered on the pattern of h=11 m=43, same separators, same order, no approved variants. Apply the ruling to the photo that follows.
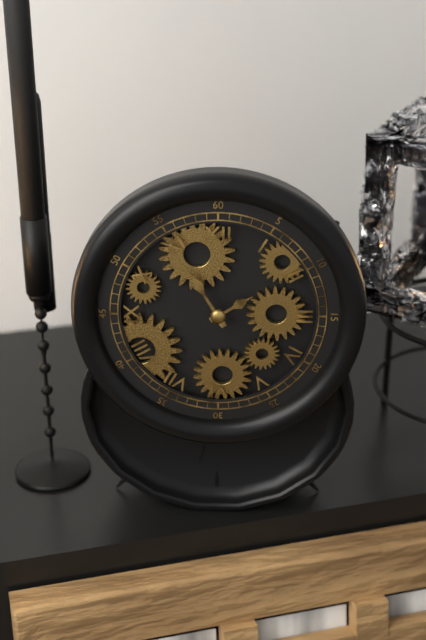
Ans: h=1 m=55
